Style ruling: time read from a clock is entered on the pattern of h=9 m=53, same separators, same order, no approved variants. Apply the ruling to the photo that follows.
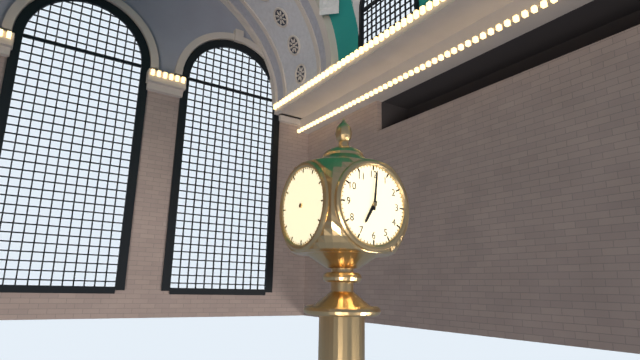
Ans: h=7 m=1
